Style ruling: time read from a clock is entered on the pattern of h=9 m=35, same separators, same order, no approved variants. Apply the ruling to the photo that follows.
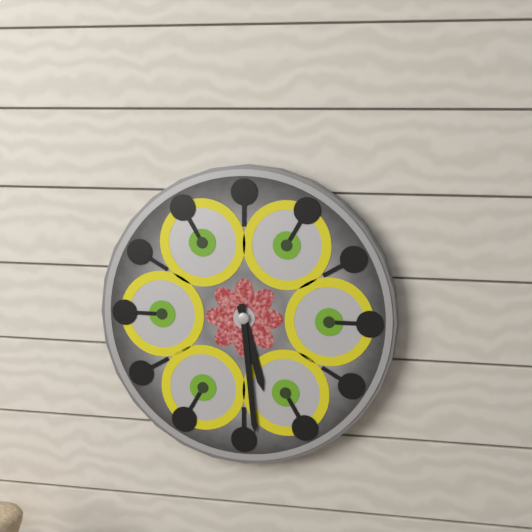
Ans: h=5 m=29
